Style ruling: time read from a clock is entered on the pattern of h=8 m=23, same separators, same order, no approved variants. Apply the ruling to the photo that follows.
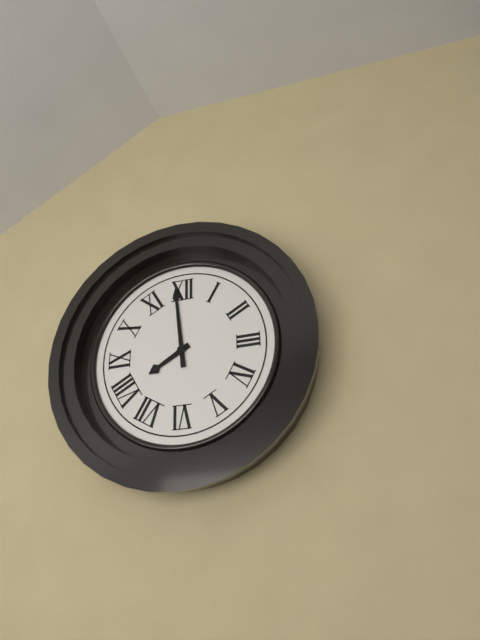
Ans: h=7 m=59
